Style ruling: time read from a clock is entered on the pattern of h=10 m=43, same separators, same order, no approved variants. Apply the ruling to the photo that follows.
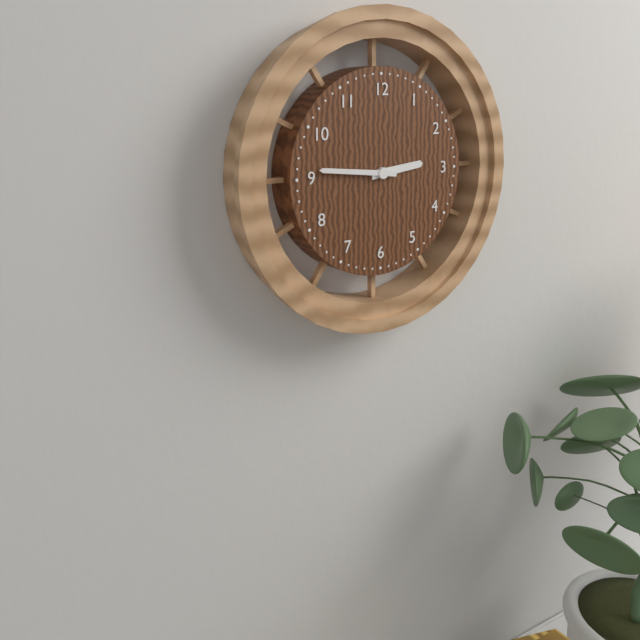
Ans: h=2 m=46
